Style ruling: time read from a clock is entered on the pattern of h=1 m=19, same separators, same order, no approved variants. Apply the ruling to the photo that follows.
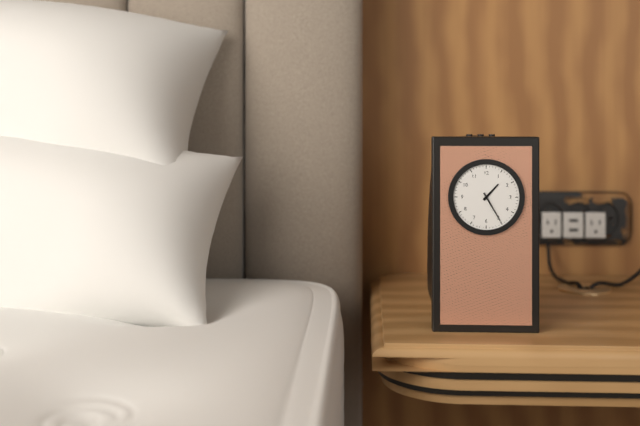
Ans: h=1 m=25
